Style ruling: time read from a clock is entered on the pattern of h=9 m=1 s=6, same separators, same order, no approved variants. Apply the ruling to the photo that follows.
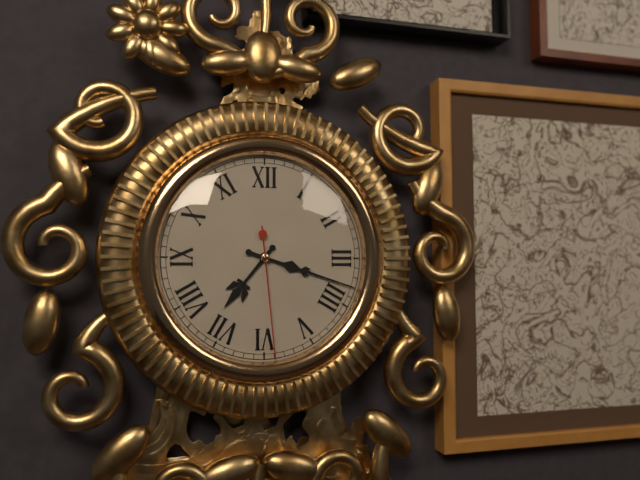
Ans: h=7 m=18 s=29
